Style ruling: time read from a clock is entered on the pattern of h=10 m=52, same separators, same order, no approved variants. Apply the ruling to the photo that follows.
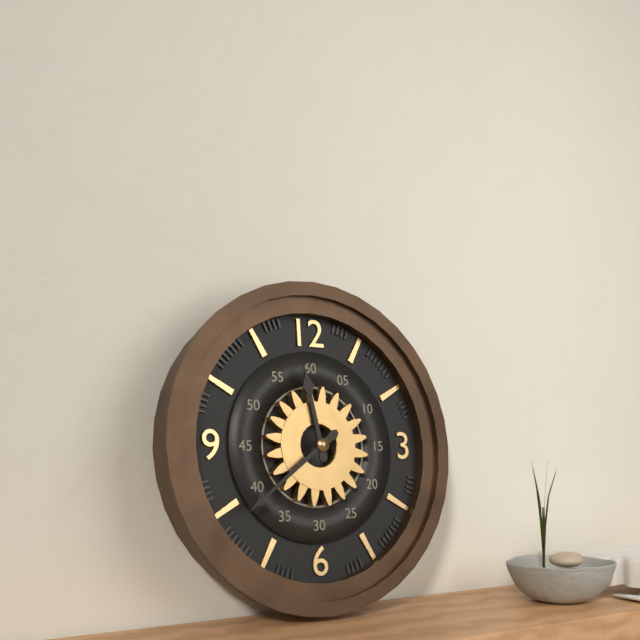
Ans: h=11 m=39
